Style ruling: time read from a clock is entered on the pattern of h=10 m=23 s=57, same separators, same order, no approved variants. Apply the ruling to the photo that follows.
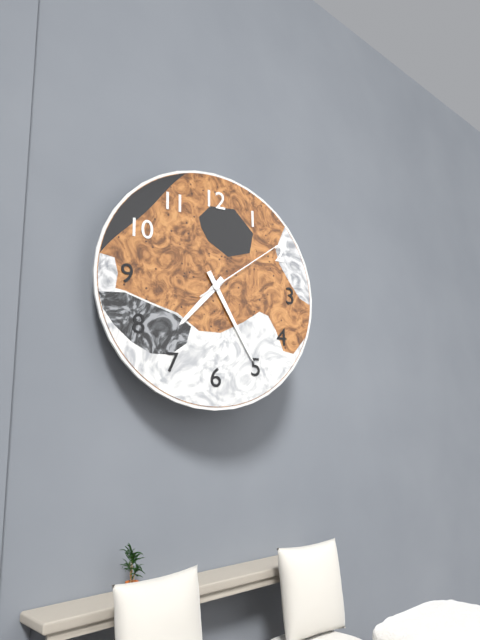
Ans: h=7 m=25 s=9
